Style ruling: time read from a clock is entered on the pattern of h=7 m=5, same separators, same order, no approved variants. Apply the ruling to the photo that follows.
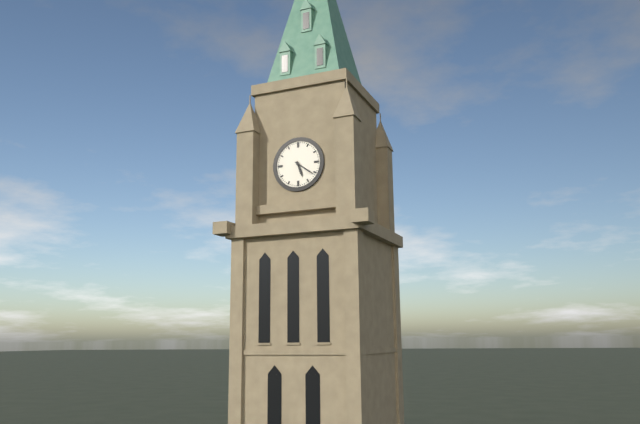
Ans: h=5 m=21
